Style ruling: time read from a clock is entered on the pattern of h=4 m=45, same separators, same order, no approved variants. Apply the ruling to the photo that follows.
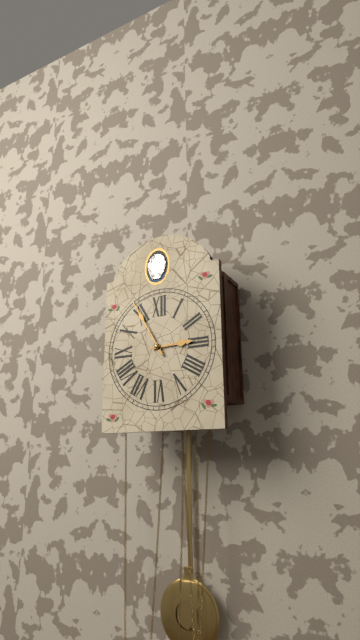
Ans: h=2 m=55
